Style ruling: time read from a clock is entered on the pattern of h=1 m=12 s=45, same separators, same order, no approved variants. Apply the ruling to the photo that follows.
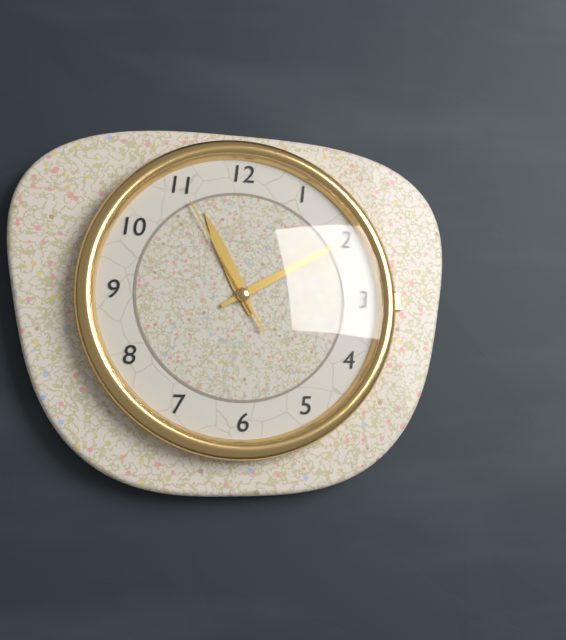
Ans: h=11 m=10 s=55
